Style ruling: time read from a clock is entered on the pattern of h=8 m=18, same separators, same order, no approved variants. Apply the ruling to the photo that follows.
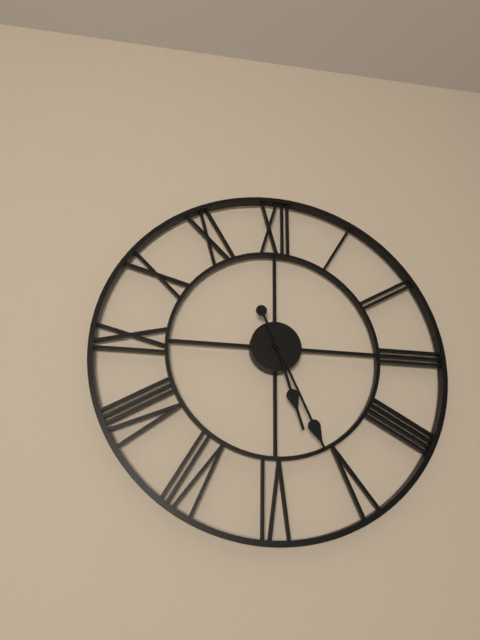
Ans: h=5 m=26
